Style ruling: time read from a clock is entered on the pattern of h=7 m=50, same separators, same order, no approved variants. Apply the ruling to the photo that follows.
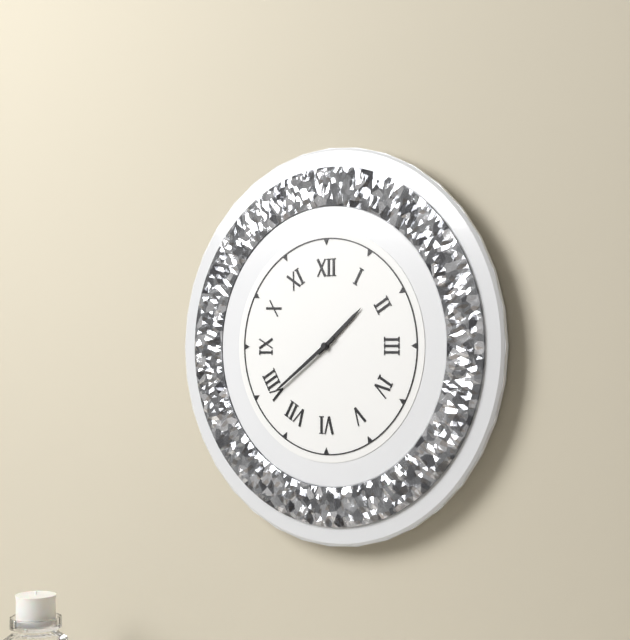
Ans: h=1 m=39
